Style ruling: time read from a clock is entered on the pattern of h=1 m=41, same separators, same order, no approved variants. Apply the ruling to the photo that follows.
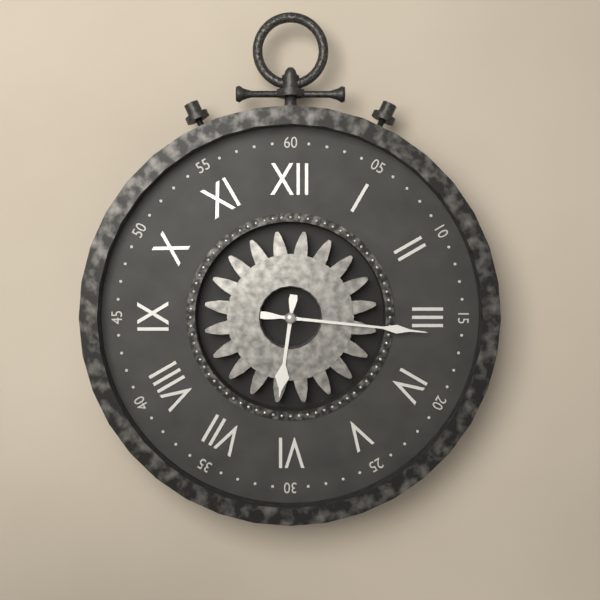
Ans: h=6 m=16
